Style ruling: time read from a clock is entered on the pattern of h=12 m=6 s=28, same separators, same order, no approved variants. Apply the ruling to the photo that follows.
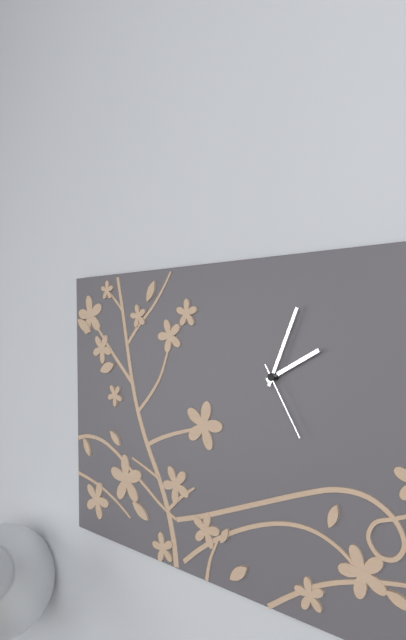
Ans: h=2 m=4 s=25
